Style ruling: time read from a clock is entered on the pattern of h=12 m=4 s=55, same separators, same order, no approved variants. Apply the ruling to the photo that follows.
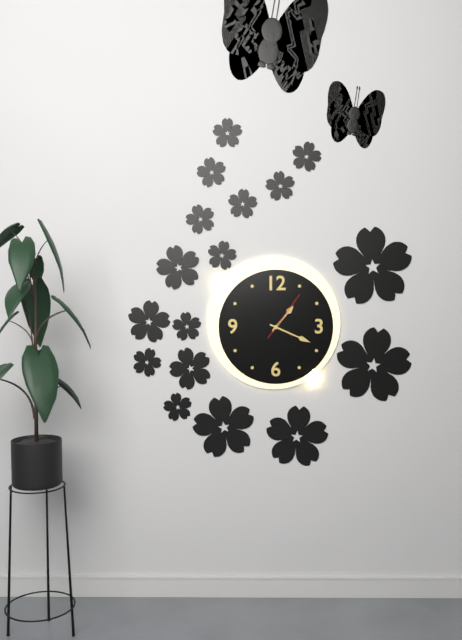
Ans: h=1 m=19 s=6
